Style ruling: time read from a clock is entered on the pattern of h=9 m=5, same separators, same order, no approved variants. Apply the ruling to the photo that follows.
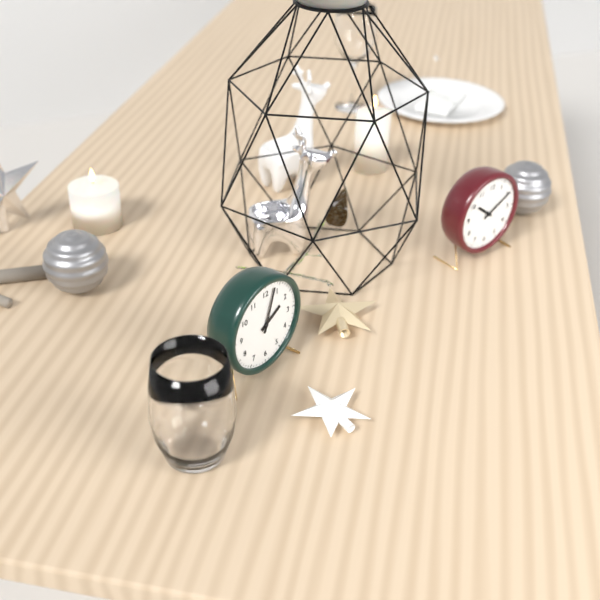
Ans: h=2 m=3
